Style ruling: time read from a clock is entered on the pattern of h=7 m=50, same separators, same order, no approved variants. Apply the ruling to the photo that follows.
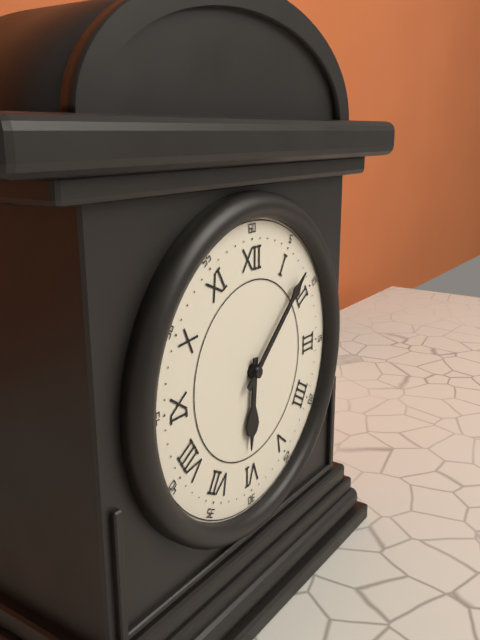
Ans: h=6 m=8
